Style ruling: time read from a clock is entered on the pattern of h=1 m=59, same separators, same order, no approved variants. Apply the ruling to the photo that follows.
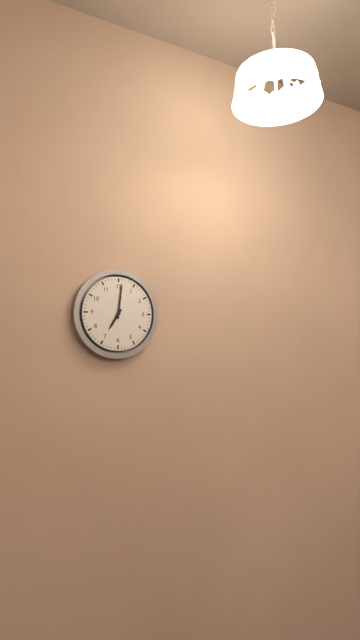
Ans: h=7 m=1
